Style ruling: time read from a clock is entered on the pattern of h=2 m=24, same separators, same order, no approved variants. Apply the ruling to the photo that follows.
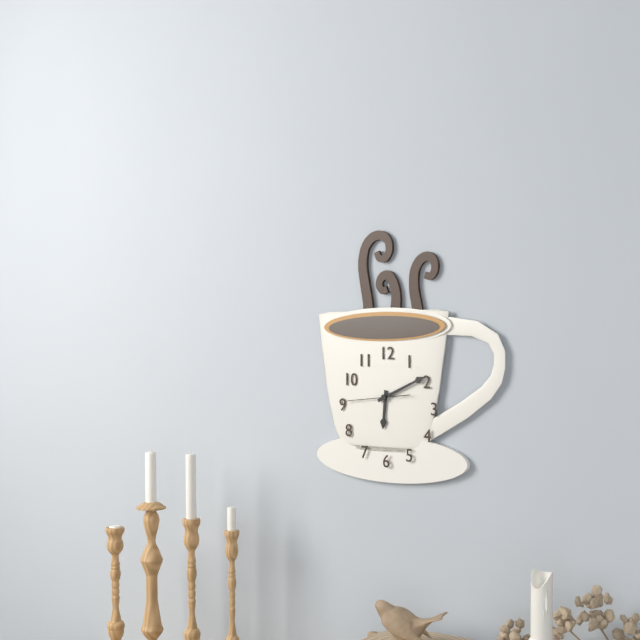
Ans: h=6 m=11
